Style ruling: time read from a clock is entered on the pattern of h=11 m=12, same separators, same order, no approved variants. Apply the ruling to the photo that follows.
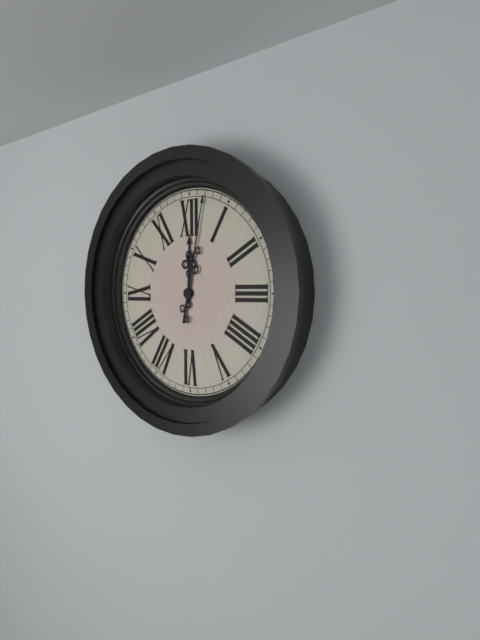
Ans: h=12 m=2
